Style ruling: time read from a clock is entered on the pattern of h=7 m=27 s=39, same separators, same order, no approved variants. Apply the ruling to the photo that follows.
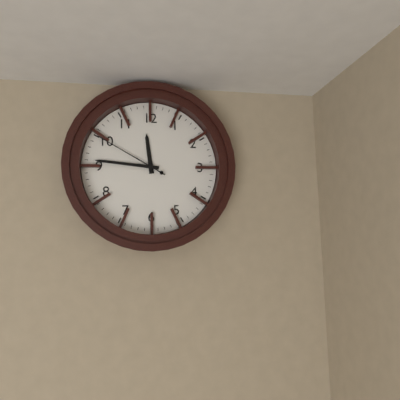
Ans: h=11 m=46 s=50
